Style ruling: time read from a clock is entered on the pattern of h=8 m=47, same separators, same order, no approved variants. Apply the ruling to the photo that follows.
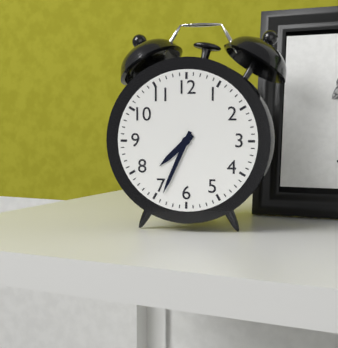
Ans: h=7 m=34
